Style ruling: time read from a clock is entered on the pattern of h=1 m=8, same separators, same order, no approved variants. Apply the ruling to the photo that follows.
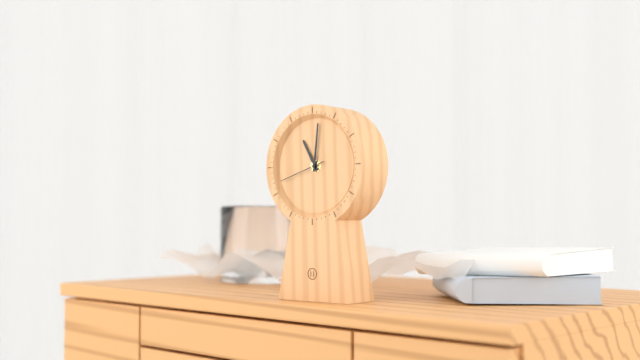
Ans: h=11 m=1
